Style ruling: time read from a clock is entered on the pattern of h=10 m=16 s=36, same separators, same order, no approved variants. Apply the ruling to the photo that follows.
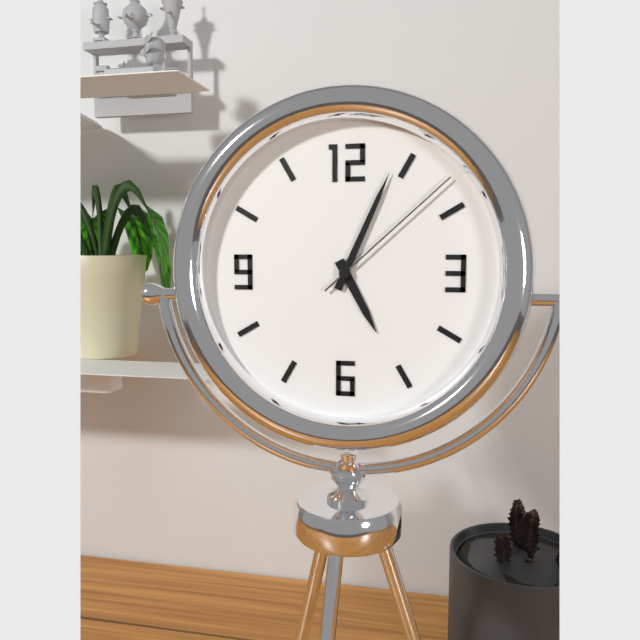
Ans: h=5 m=4 s=8
